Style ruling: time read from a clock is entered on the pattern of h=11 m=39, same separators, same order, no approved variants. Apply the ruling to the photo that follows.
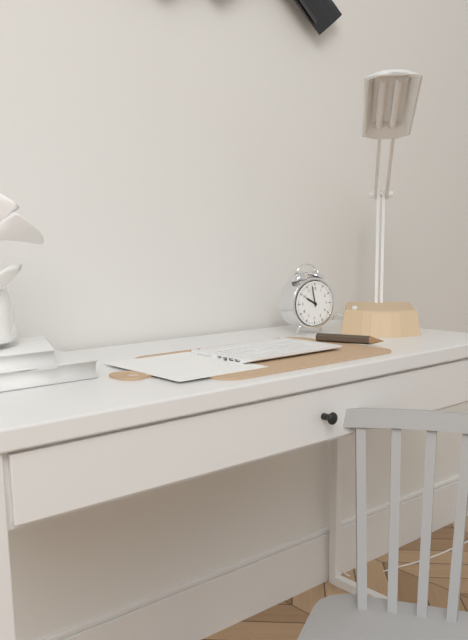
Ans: h=9 m=58
